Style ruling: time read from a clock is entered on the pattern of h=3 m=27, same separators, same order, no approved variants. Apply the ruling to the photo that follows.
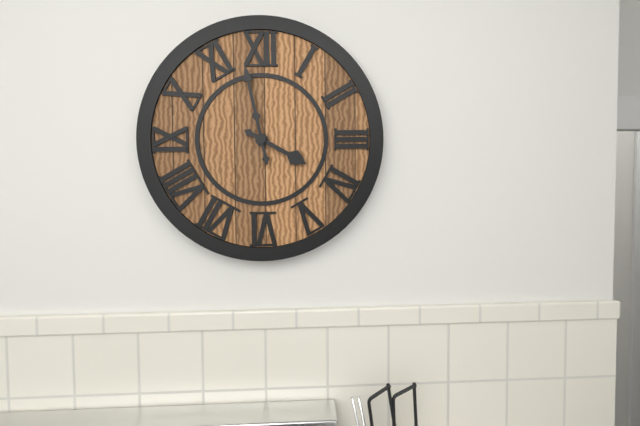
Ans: h=3 m=58
